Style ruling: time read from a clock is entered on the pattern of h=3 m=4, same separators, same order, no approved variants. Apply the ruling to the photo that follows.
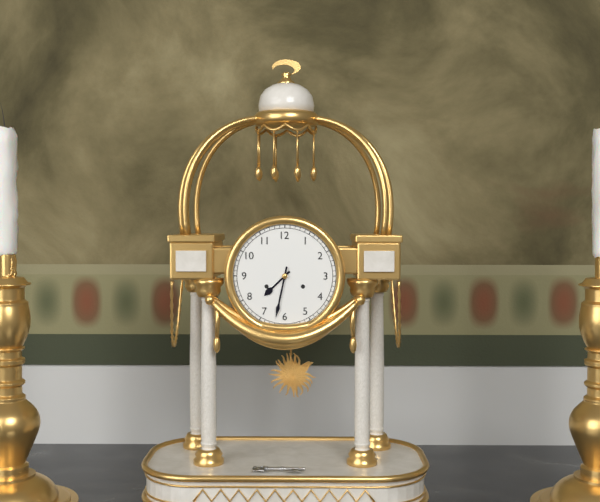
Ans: h=7 m=32
